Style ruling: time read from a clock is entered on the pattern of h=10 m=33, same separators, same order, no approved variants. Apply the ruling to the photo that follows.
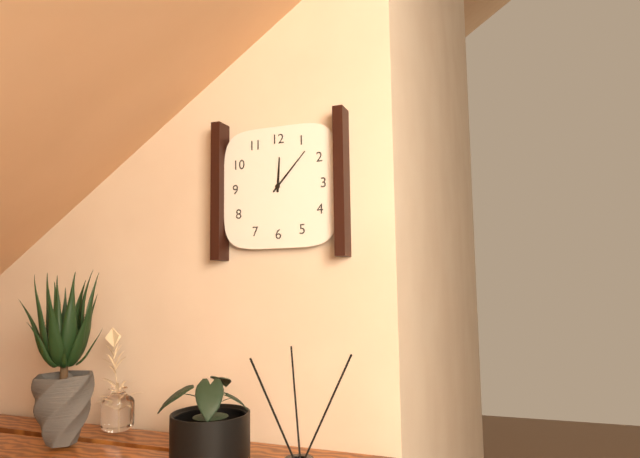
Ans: h=12 m=7
